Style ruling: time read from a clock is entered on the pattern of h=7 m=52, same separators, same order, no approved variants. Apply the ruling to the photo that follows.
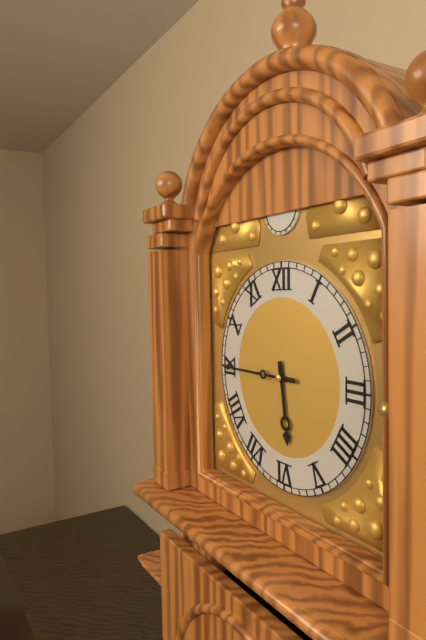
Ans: h=5 m=45
